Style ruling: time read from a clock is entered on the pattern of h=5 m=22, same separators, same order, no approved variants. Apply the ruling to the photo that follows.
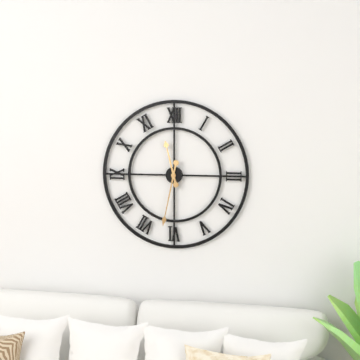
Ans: h=11 m=32
